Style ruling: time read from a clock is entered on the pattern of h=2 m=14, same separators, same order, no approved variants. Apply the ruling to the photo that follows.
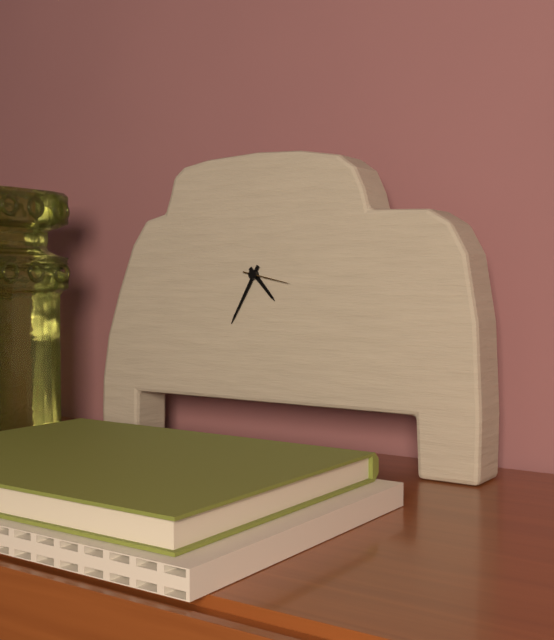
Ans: h=4 m=35
